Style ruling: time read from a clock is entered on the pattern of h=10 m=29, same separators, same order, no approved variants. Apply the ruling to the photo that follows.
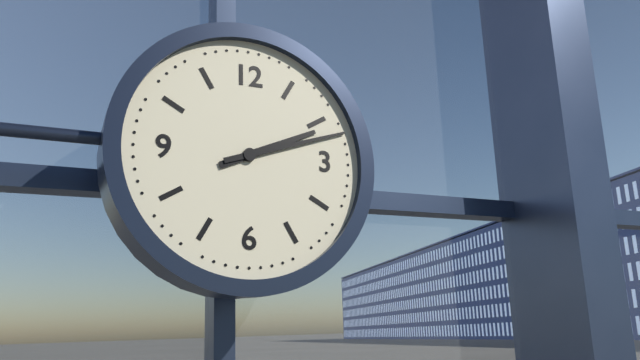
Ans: h=2 m=12
